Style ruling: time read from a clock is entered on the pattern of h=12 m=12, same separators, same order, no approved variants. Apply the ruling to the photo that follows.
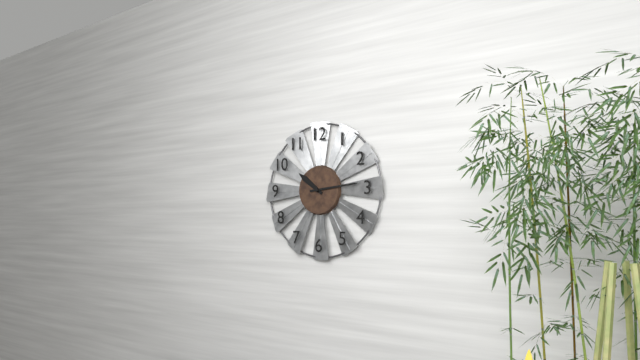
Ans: h=10 m=14
